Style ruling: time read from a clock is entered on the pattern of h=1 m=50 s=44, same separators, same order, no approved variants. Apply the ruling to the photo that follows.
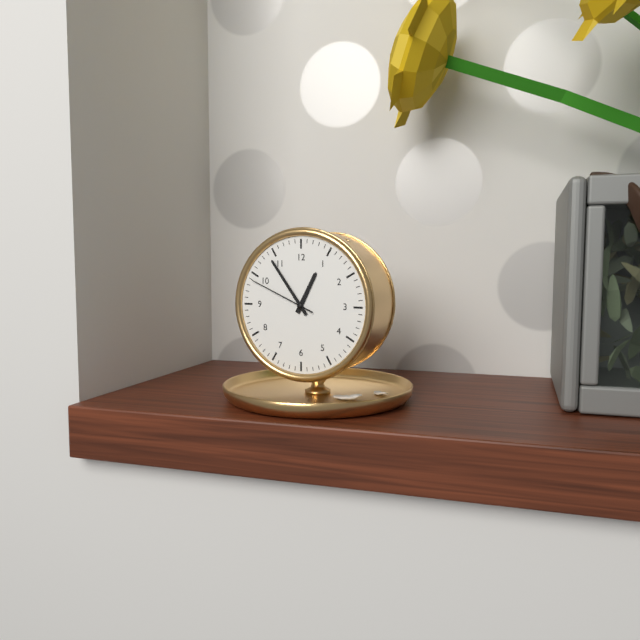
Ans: h=12 m=54 s=49
